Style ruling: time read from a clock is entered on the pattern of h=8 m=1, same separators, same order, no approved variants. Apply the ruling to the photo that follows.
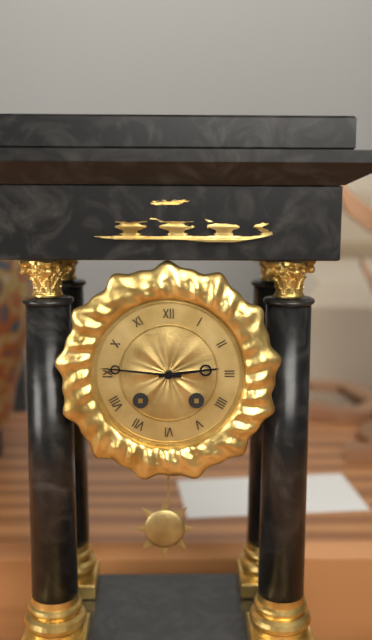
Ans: h=2 m=46
